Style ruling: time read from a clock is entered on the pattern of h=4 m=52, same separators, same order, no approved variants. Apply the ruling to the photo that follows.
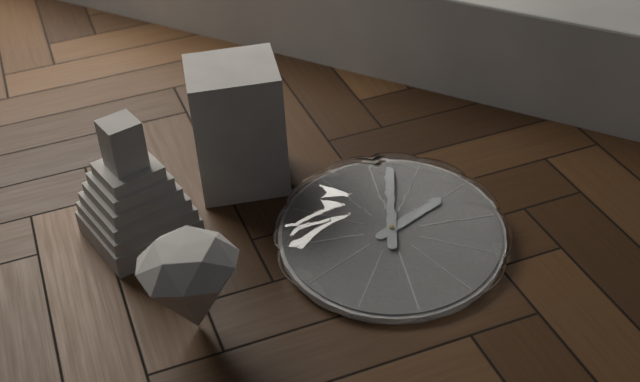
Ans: h=2 m=2
